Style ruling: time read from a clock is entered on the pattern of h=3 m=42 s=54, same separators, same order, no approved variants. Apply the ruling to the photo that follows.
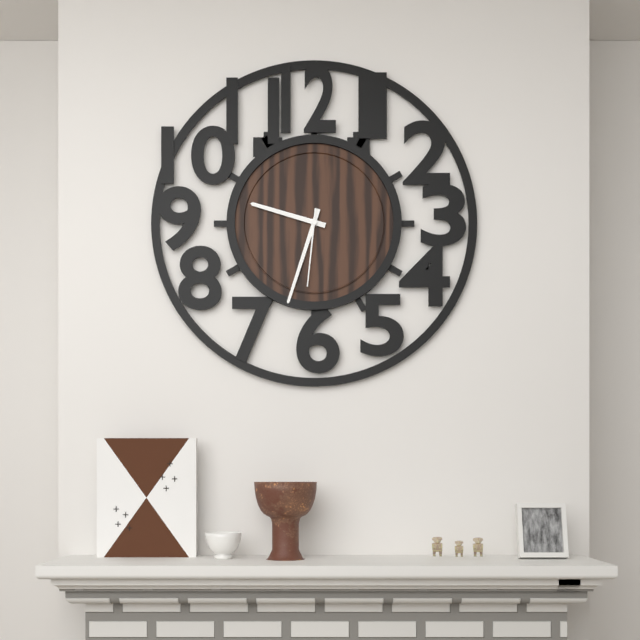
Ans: h=9 m=33 s=31
